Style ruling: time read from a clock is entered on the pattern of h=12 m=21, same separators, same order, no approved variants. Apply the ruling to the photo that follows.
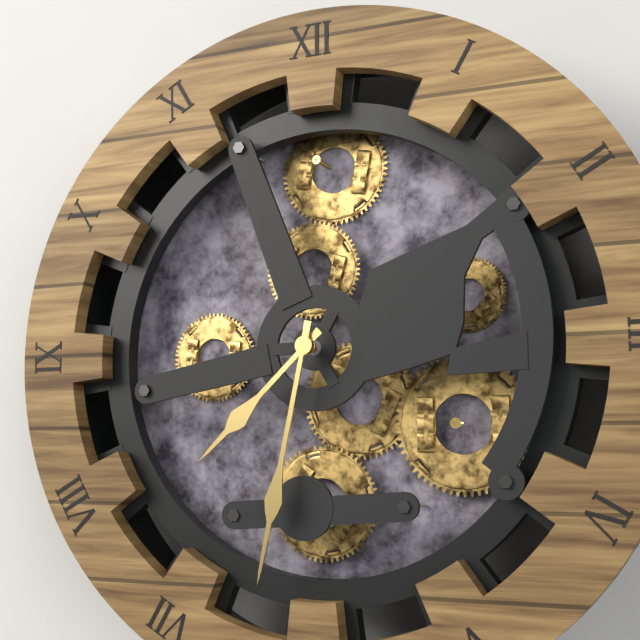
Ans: h=7 m=32
